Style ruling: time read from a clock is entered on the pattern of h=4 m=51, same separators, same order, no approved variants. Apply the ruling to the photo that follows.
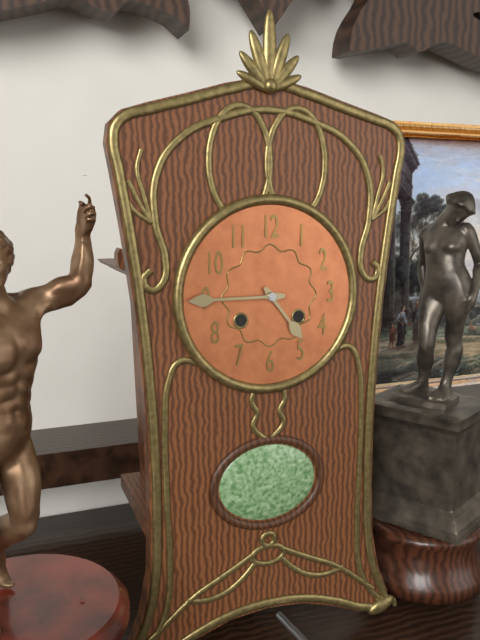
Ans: h=4 m=45
